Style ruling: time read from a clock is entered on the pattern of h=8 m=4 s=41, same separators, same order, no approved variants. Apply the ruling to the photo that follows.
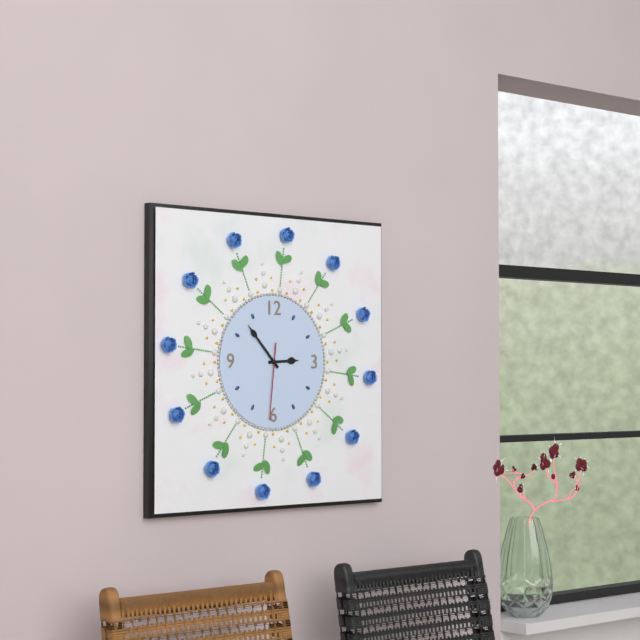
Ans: h=2 m=53 s=31
